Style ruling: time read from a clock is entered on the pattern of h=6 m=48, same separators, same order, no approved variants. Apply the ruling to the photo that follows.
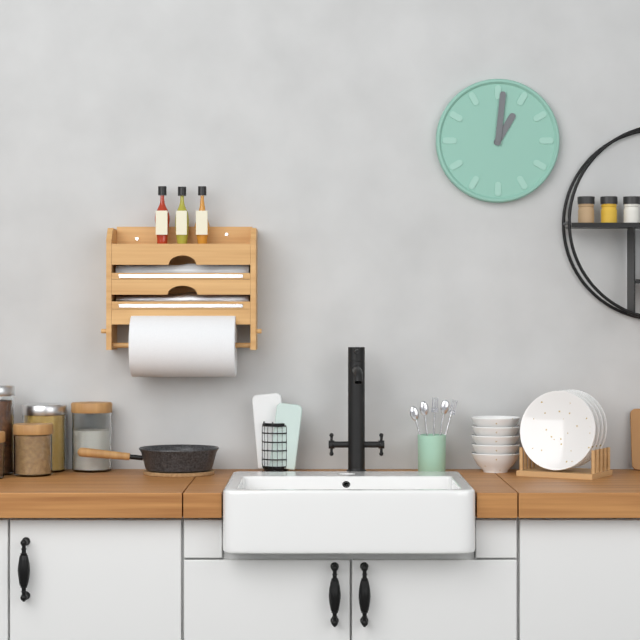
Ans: h=1 m=1
